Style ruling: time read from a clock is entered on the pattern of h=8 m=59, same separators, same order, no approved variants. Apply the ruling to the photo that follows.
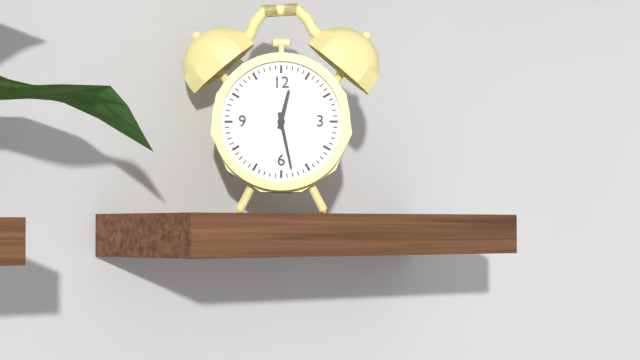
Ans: h=12 m=28
